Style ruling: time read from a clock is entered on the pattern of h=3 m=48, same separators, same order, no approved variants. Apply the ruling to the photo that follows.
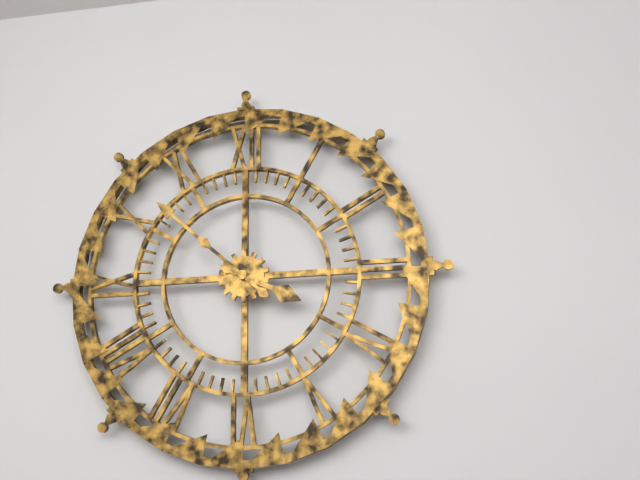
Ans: h=3 m=52
